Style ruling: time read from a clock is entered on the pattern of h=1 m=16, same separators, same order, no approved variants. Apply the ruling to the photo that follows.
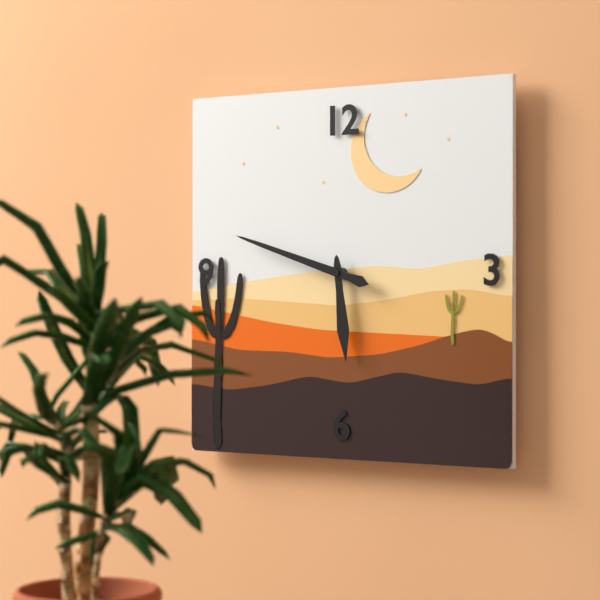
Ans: h=5 m=48
